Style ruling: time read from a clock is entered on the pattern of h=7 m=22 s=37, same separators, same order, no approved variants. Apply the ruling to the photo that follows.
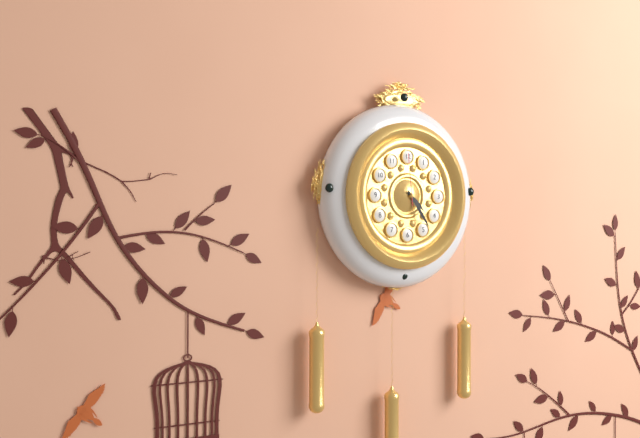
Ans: h=4 m=24 s=59
